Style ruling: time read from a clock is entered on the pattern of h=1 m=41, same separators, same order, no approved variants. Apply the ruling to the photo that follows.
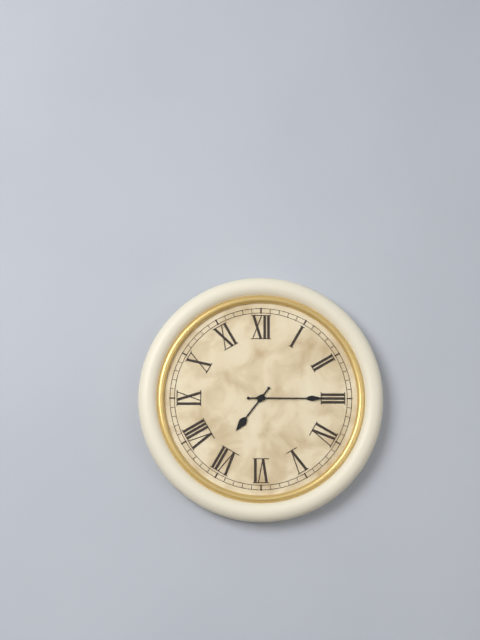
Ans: h=7 m=15
